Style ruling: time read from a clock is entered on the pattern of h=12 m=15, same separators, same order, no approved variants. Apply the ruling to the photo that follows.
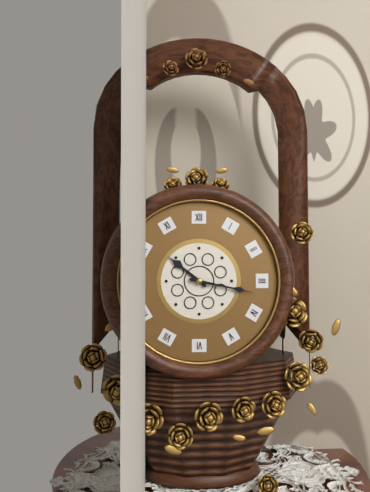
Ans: h=10 m=17
